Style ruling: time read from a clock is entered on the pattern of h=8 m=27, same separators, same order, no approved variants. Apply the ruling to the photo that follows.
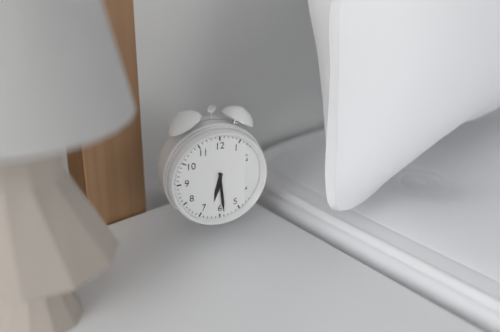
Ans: h=6 m=29
